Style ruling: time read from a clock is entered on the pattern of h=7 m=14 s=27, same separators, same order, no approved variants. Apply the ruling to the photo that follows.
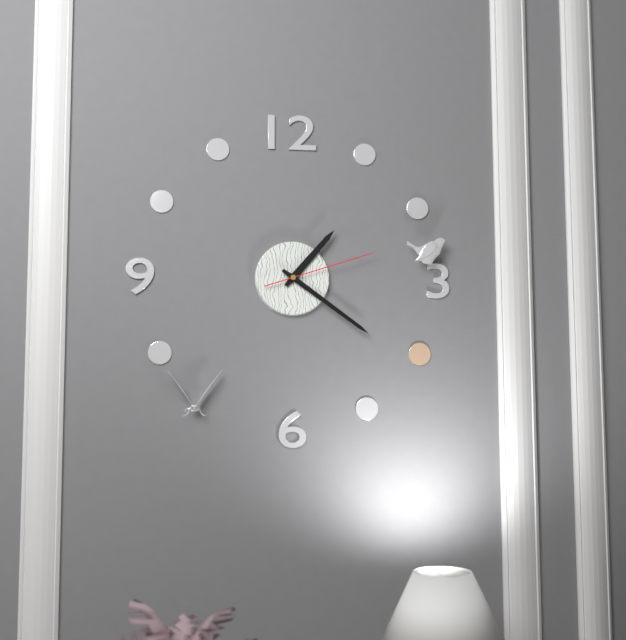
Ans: h=1 m=21 s=12
